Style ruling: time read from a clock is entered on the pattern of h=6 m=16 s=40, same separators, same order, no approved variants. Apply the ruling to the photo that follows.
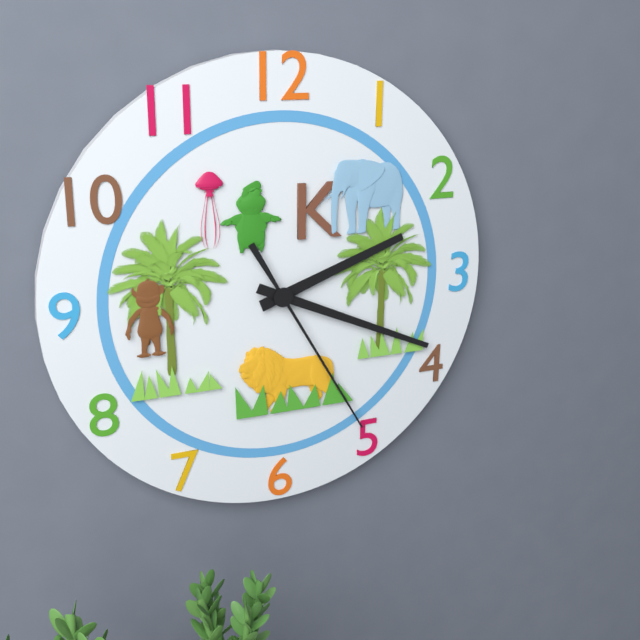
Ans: h=2 m=19 s=25
